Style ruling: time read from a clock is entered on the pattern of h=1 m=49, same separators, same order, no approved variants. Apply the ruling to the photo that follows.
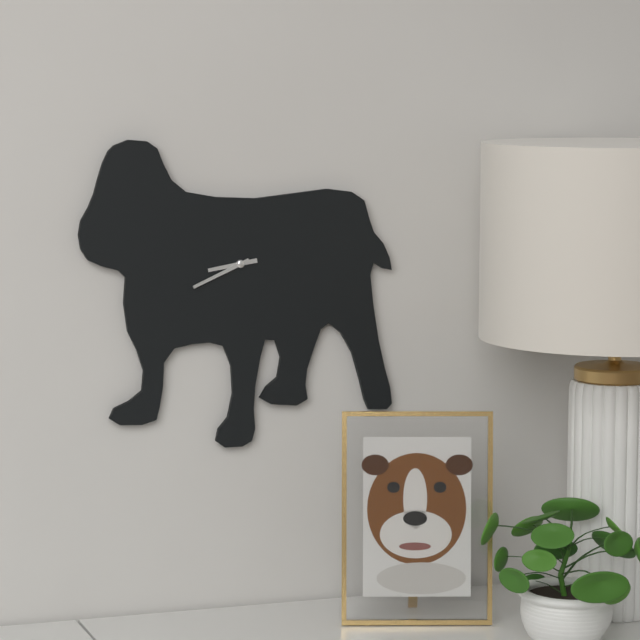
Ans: h=8 m=41
